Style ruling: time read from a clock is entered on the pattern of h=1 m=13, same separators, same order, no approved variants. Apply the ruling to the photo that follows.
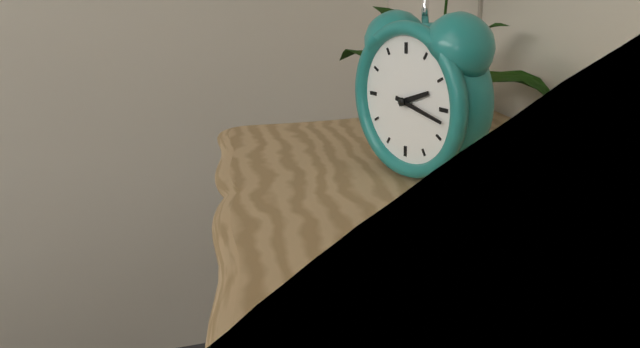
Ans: h=2 m=17
